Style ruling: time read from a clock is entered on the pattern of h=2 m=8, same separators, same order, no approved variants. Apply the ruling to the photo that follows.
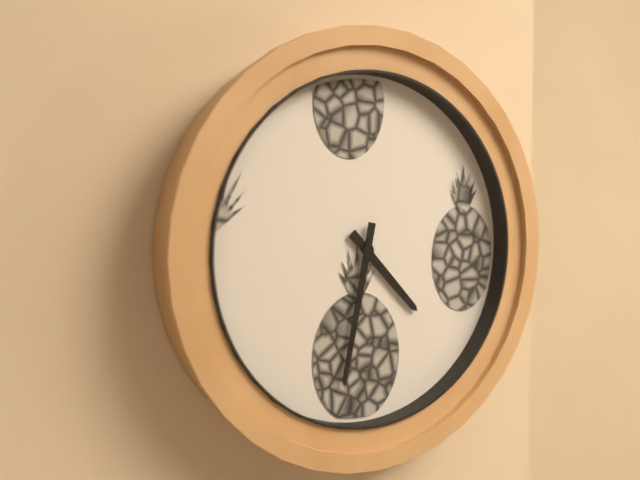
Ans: h=4 m=32
